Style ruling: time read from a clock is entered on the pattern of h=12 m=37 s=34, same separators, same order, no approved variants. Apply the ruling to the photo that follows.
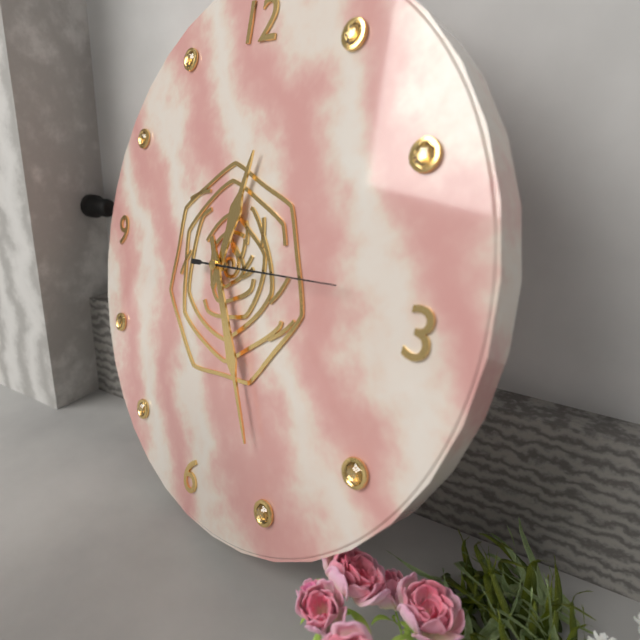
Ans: h=12 m=25 s=14
